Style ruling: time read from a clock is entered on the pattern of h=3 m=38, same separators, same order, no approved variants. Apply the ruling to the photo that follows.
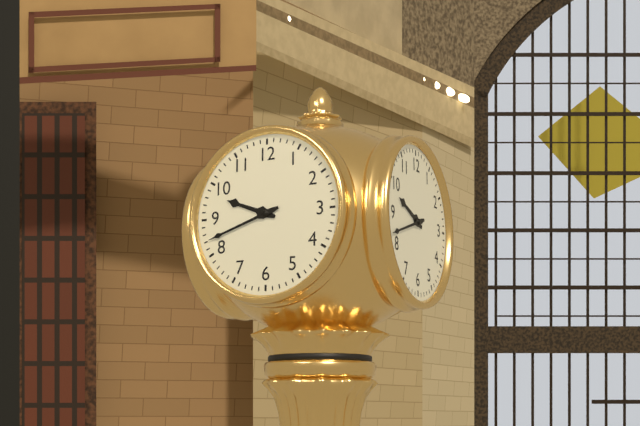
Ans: h=9 m=42
